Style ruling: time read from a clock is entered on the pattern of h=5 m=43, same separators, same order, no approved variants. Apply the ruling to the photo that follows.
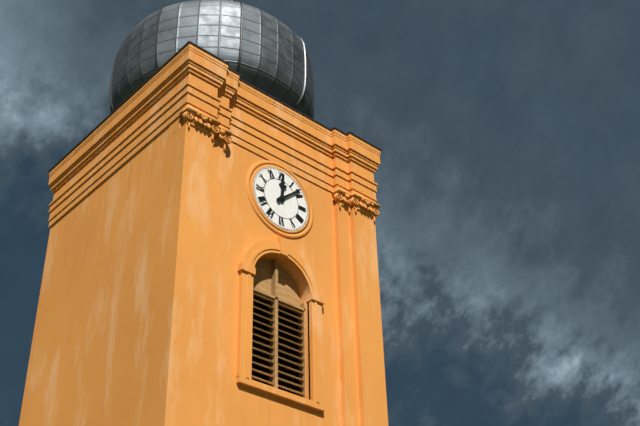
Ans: h=12 m=8
